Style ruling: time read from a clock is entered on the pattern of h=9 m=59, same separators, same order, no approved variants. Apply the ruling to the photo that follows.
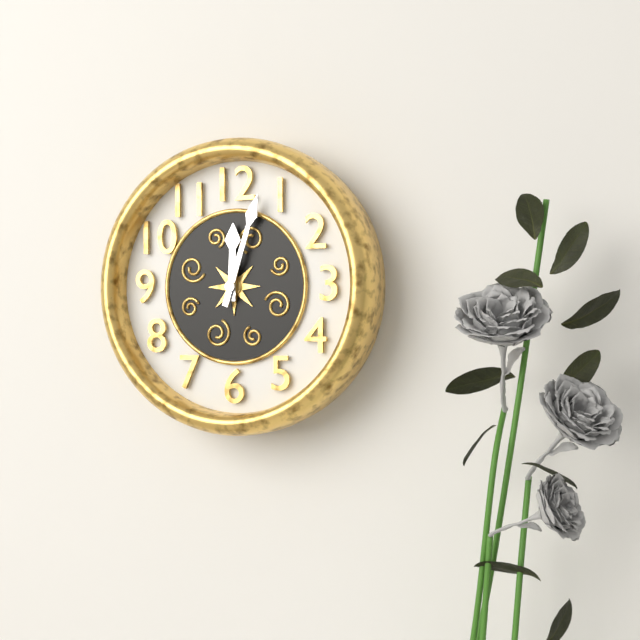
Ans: h=12 m=3
